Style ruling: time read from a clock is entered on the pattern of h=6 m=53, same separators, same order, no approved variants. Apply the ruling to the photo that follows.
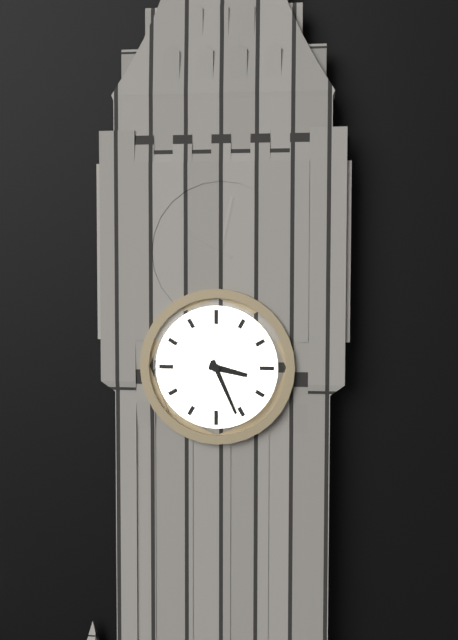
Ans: h=3 m=26
